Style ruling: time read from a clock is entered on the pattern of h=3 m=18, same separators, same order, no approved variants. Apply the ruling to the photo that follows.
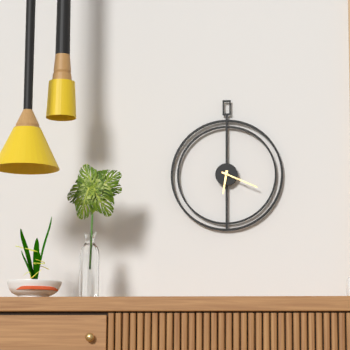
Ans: h=6 m=19
